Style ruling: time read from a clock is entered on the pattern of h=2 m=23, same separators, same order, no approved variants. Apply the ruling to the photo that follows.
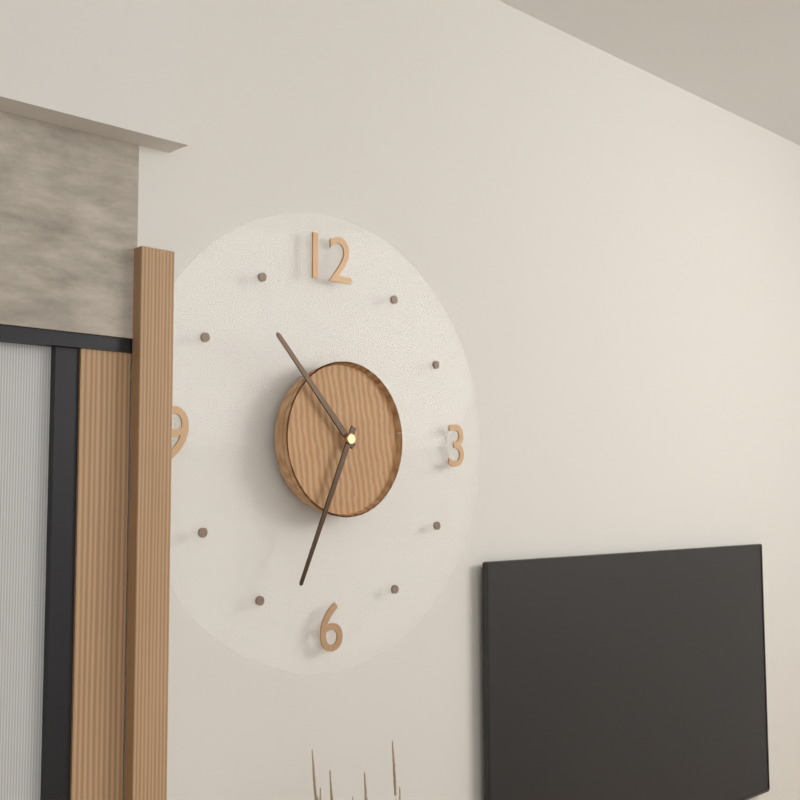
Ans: h=10 m=34
